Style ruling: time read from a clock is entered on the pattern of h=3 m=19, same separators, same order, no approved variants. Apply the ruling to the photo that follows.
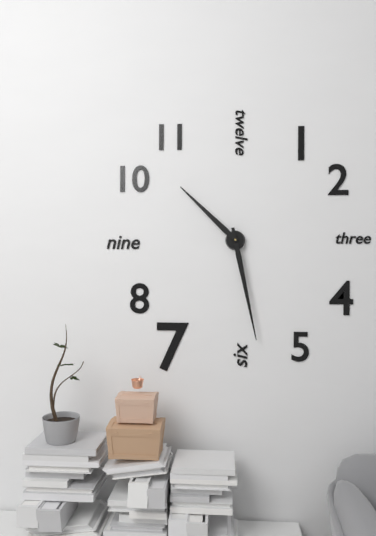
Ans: h=10 m=28
